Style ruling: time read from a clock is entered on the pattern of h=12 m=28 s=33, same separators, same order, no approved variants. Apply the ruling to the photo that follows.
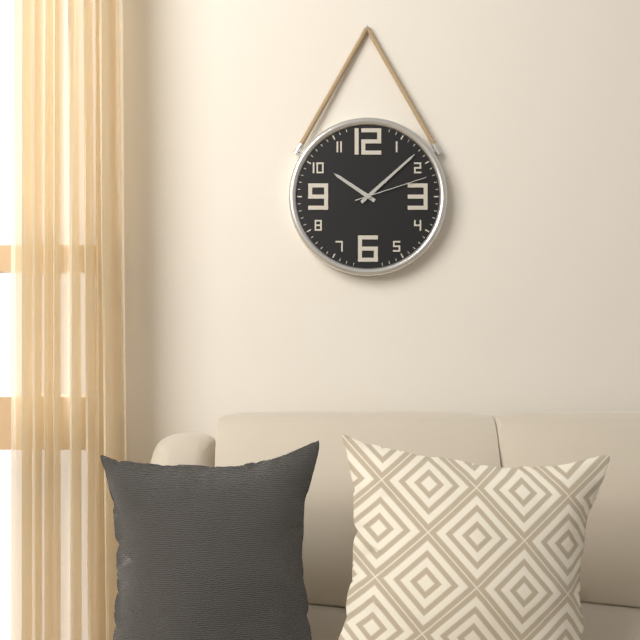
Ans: h=10 m=8 s=12
